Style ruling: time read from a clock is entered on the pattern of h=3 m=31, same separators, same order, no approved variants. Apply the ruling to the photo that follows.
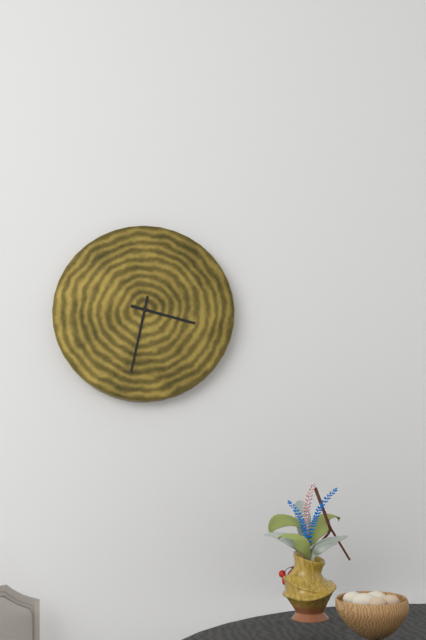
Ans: h=3 m=32
